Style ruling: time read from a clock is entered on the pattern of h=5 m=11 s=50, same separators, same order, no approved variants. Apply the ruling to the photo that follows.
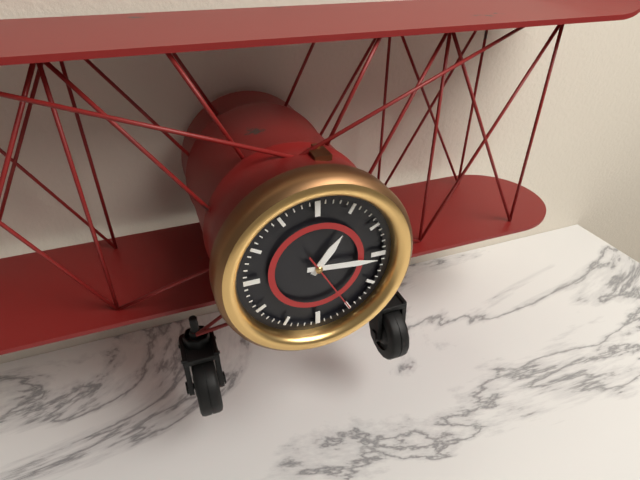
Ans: h=1 m=16 s=25
